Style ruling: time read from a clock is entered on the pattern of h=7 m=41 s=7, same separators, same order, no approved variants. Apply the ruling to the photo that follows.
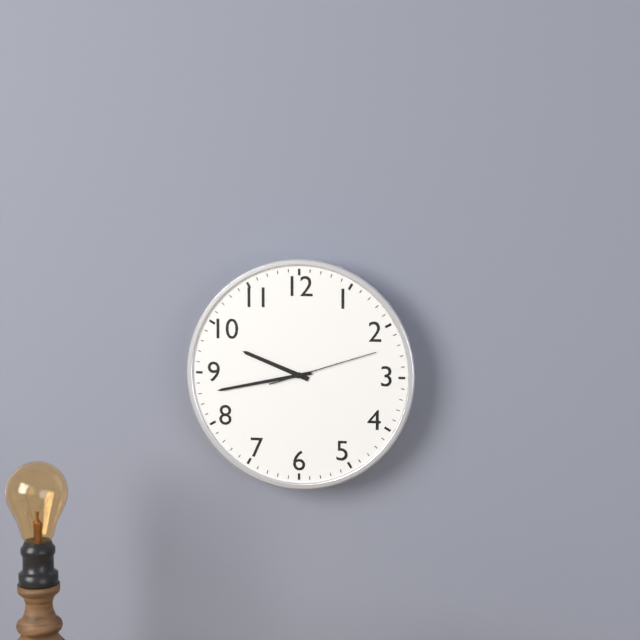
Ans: h=9 m=43 s=12
